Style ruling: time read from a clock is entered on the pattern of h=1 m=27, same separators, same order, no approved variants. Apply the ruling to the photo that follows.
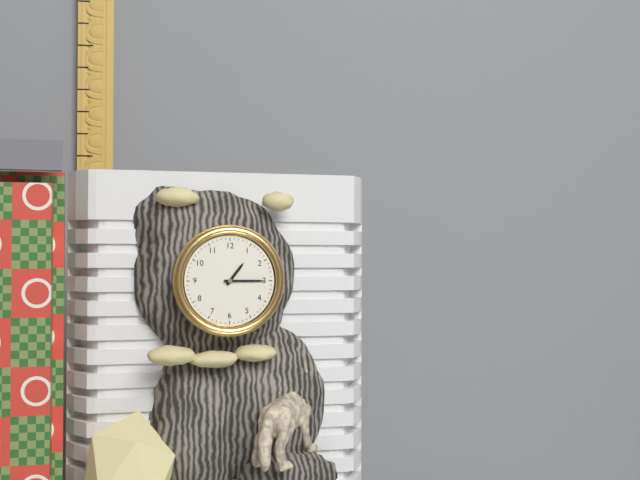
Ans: h=1 m=15
